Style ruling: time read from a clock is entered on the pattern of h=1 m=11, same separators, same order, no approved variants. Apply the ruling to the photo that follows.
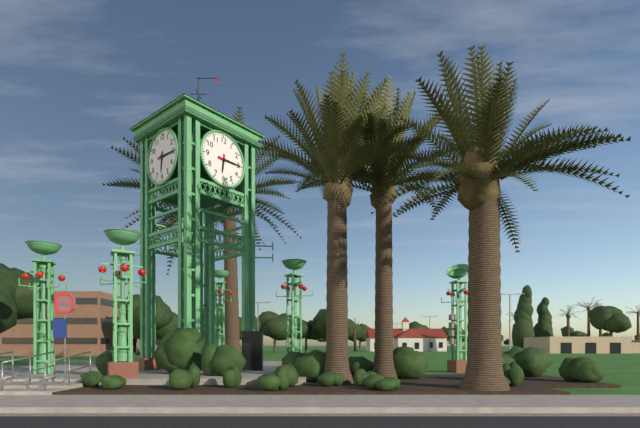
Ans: h=6 m=15
